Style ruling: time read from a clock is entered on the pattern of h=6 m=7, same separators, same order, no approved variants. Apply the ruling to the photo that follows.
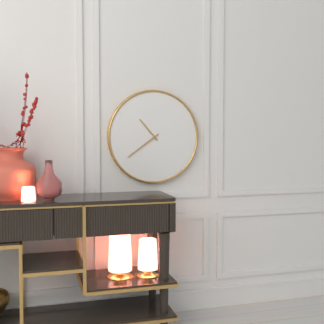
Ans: h=10 m=39
